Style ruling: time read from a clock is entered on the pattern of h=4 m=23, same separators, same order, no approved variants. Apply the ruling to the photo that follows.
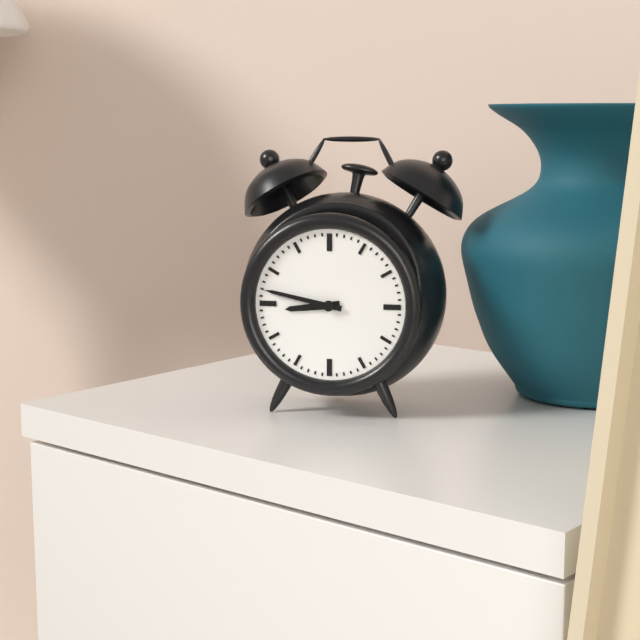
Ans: h=8 m=47
